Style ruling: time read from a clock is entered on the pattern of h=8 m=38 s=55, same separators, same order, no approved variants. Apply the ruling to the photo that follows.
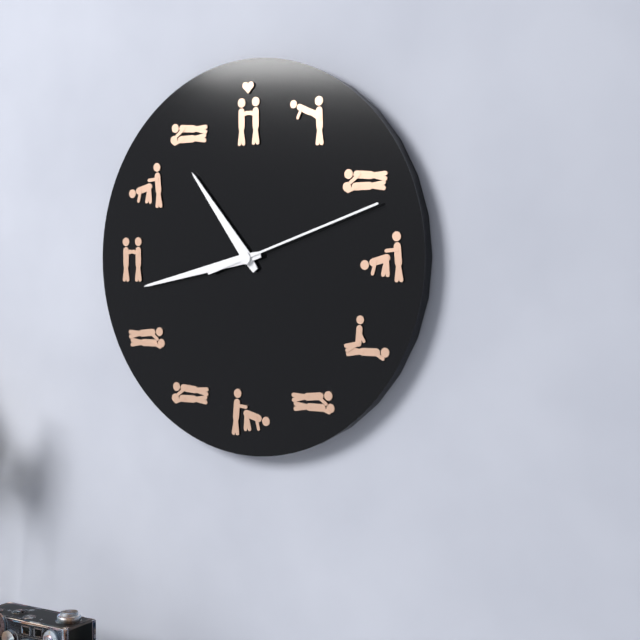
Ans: h=10 m=43 s=12
